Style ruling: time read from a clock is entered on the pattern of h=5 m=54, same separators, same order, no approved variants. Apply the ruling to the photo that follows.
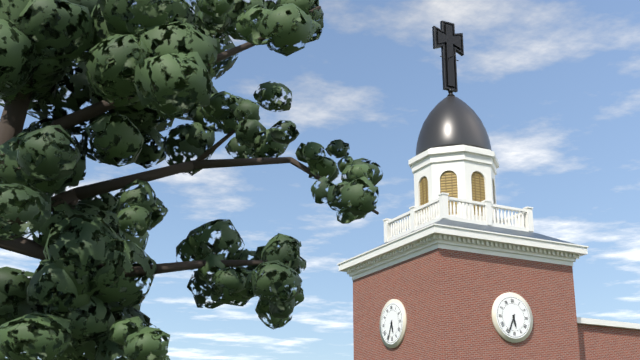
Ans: h=5 m=34
